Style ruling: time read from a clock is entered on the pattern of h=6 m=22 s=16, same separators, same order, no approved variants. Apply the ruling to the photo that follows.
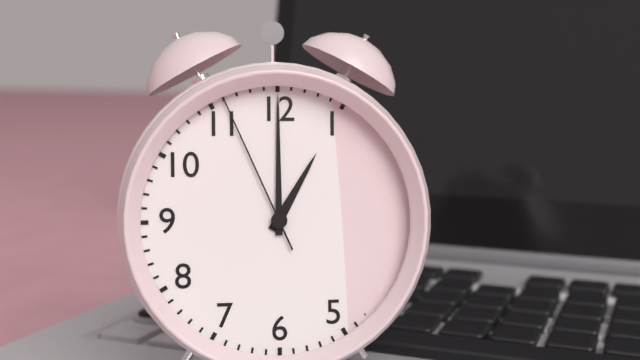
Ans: h=1 m=0 s=56
